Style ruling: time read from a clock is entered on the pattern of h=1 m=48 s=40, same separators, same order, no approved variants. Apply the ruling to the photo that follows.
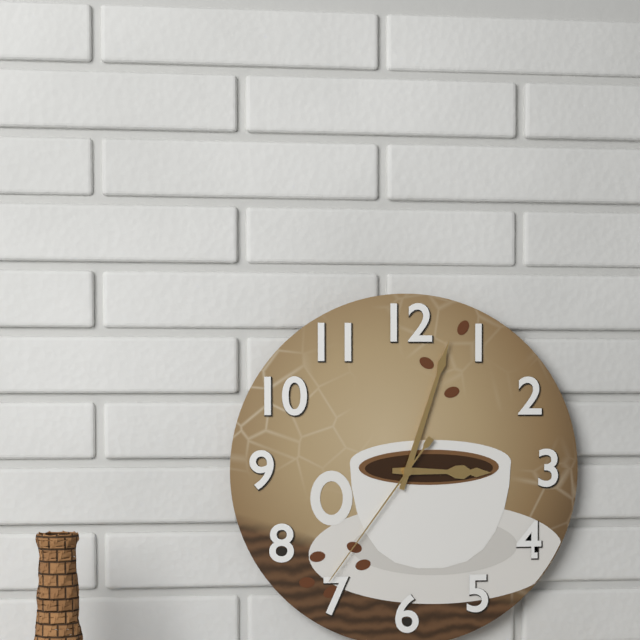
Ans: h=3 m=3 s=36
